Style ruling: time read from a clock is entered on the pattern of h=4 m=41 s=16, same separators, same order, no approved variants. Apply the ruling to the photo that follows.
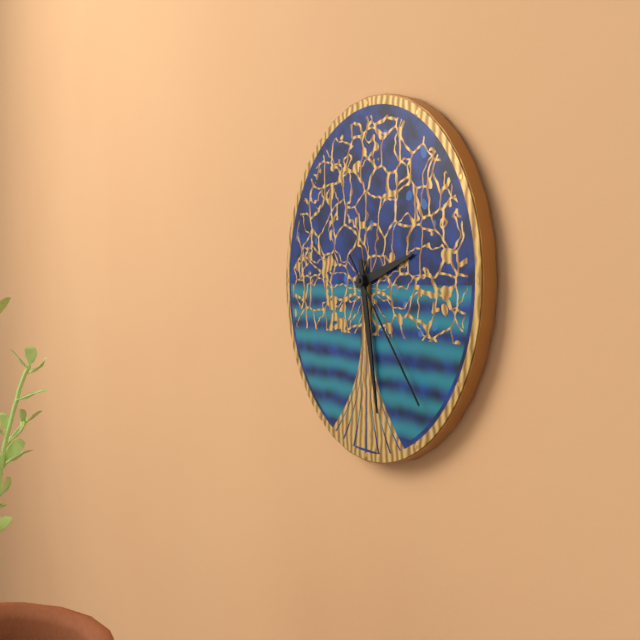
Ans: h=2 m=28 s=23
